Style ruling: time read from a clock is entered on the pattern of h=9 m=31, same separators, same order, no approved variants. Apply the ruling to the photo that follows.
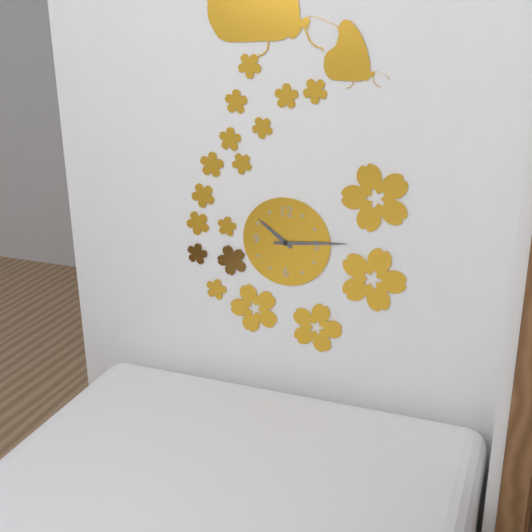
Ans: h=10 m=14
